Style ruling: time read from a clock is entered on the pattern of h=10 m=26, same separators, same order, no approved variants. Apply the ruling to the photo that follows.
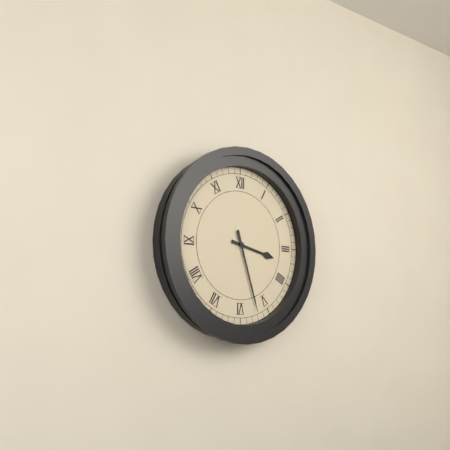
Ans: h=3 m=27
